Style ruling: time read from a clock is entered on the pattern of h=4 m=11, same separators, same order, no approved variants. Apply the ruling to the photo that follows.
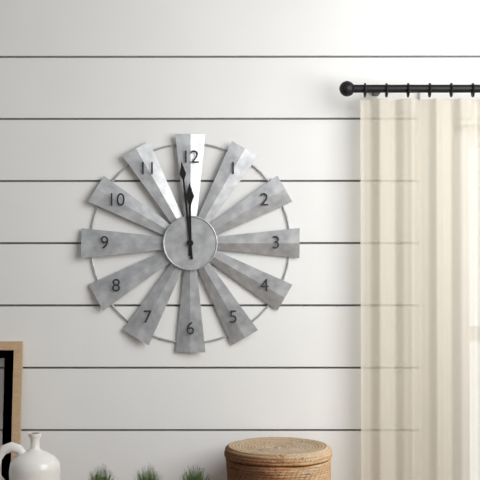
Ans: h=11 m=59
